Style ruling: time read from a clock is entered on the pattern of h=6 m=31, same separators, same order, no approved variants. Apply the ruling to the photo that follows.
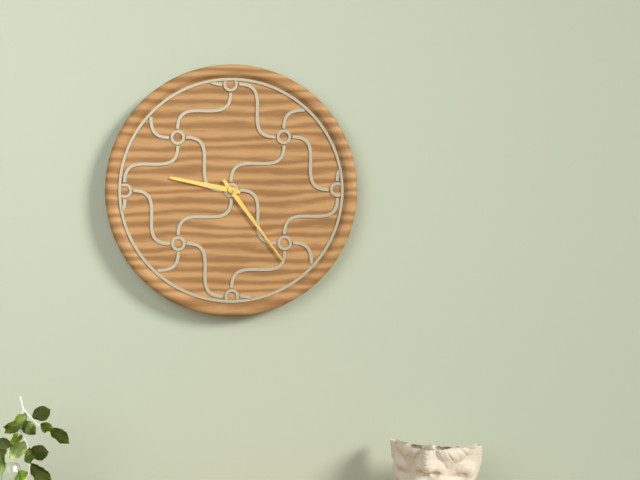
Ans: h=9 m=24
